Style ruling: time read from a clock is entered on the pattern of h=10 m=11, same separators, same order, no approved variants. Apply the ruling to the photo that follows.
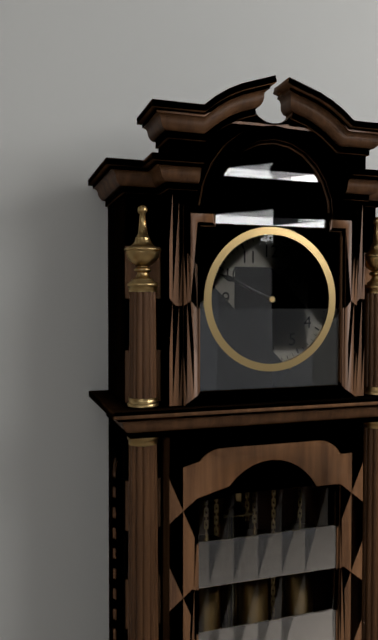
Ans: h=6 m=49
